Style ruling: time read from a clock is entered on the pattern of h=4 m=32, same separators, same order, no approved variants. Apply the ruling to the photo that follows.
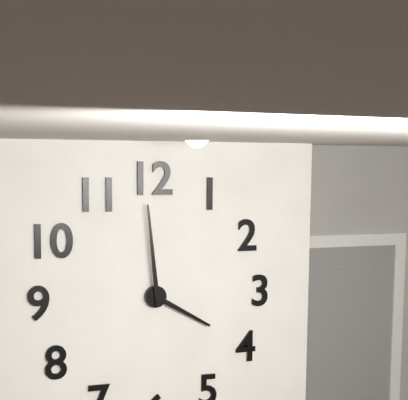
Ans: h=3 m=59
